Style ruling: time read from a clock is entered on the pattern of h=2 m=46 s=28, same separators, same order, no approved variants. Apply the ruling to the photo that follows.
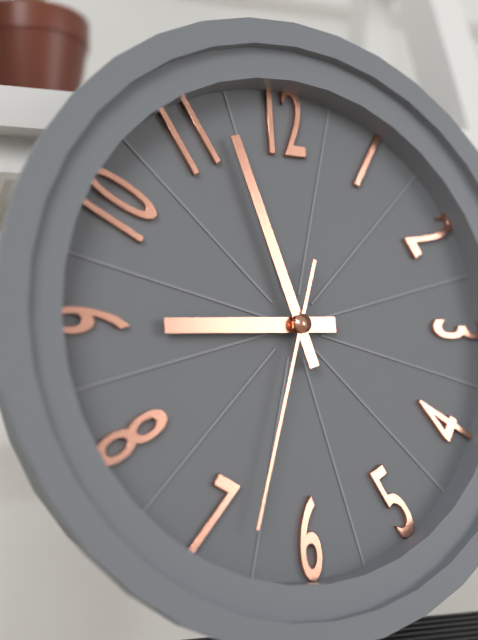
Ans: h=8 m=57 s=33
